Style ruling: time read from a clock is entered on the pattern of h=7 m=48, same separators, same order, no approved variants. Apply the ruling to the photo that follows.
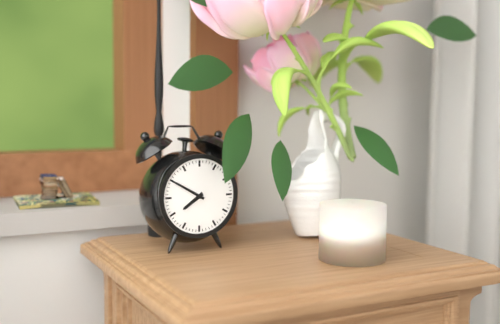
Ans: h=7 m=50
